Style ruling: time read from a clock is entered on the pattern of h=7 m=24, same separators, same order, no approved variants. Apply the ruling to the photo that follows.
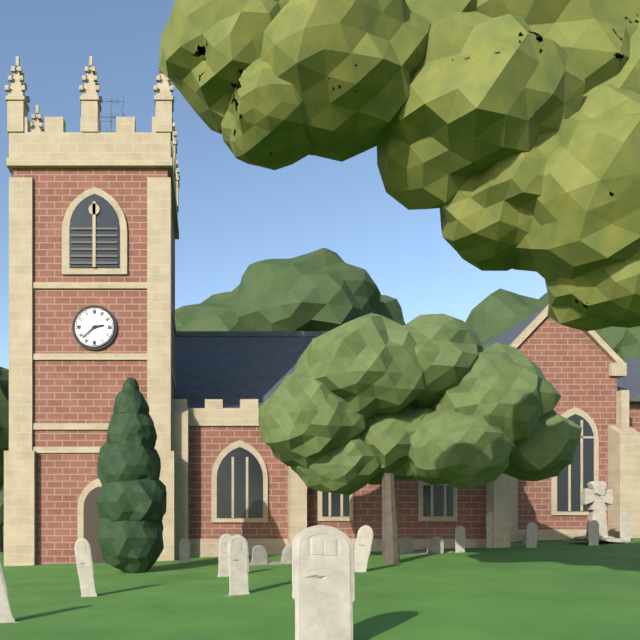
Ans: h=2 m=38
